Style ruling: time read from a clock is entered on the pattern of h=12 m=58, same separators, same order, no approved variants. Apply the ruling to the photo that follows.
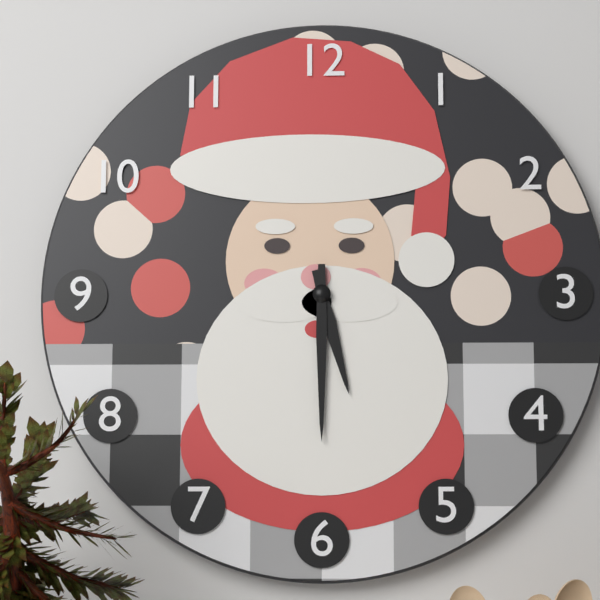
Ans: h=5 m=30
